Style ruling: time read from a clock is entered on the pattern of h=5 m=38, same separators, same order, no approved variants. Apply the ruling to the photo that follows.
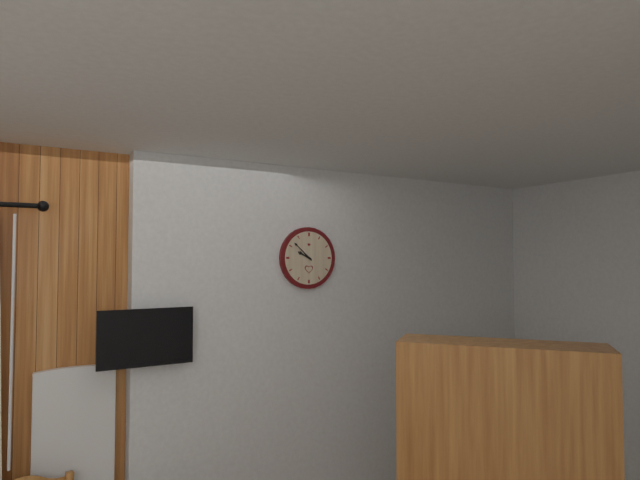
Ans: h=9 m=52
